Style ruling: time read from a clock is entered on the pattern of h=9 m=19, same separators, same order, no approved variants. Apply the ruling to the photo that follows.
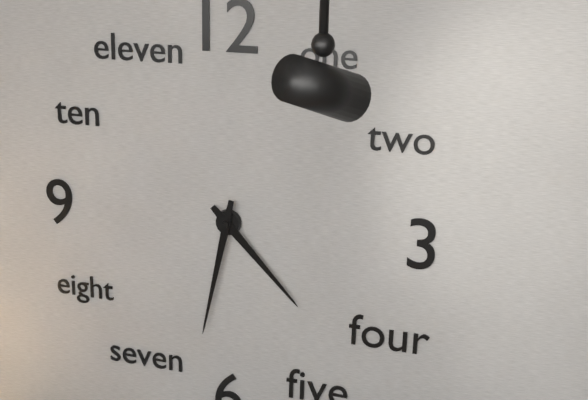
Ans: h=4 m=32
